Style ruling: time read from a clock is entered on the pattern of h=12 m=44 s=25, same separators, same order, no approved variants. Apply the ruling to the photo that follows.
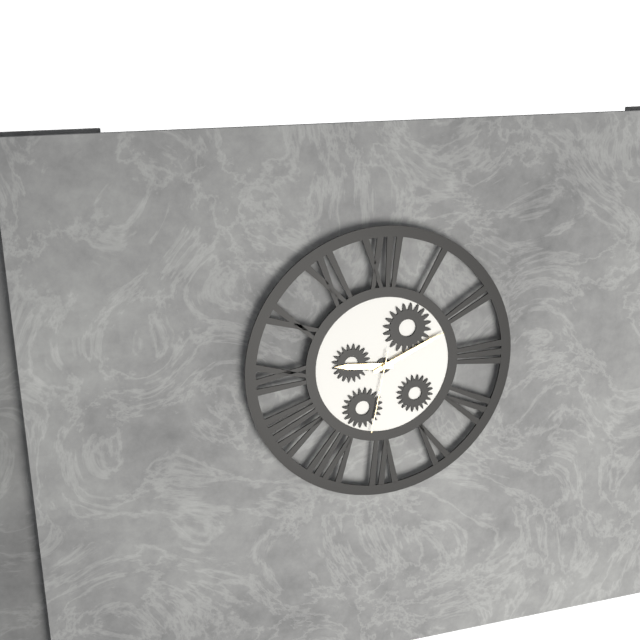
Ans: h=9 m=11 s=32
